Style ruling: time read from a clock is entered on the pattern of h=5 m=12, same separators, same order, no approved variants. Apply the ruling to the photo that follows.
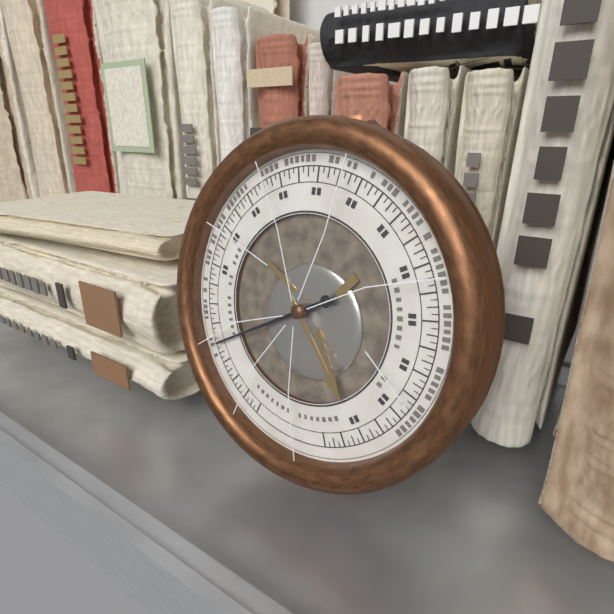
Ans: h=4 m=40
